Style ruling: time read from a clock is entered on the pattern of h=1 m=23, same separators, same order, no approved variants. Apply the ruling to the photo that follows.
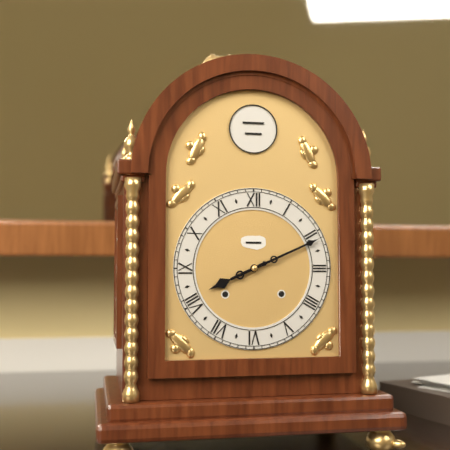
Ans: h=8 m=11
